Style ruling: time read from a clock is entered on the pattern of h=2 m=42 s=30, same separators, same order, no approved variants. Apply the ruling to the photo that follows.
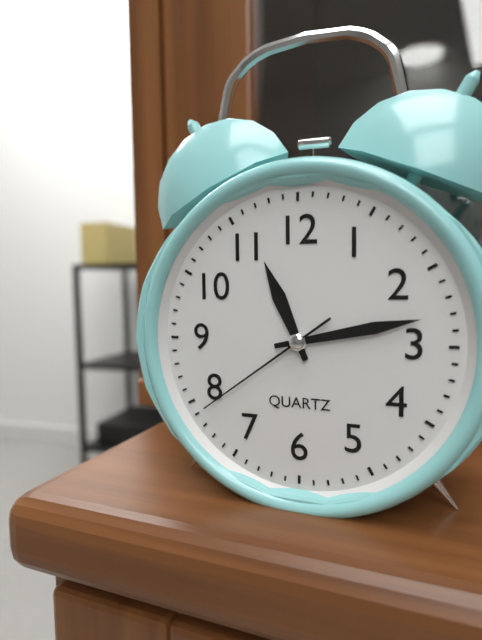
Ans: h=11 m=13 s=39
